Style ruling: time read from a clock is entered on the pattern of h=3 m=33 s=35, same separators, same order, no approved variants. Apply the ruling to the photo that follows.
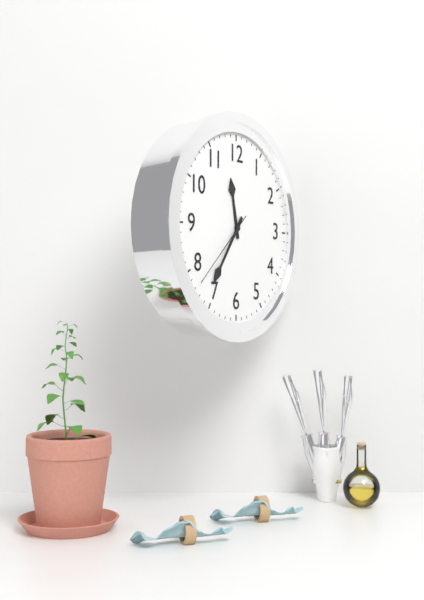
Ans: h=11 m=36 s=38
